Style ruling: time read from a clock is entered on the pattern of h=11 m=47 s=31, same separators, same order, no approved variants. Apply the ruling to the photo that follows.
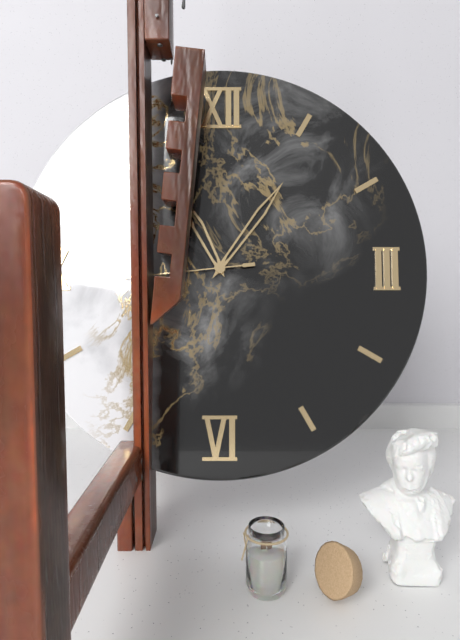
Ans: h=11 m=6 s=44
